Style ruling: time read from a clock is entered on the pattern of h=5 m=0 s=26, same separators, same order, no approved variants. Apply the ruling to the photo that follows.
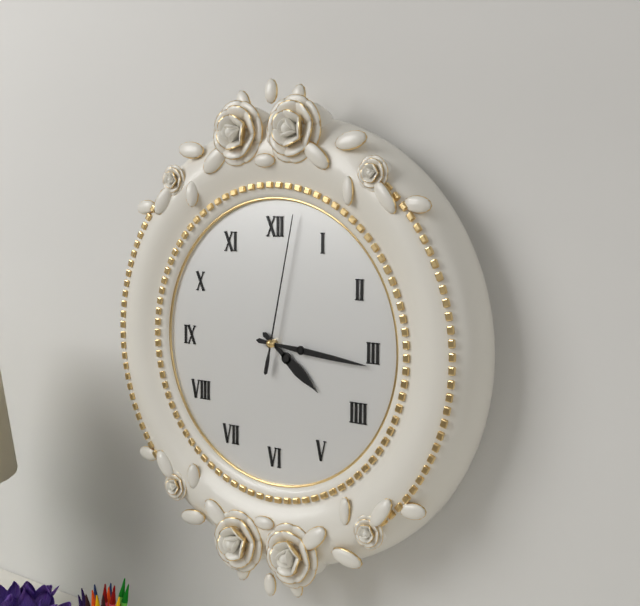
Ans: h=4 m=16 s=2
